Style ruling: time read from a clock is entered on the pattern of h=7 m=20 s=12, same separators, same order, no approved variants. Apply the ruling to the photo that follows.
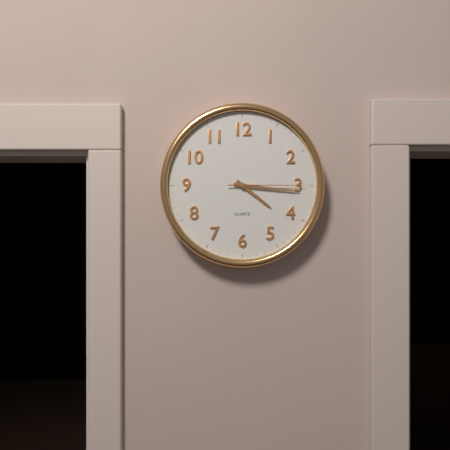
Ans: h=4 m=16 s=15
